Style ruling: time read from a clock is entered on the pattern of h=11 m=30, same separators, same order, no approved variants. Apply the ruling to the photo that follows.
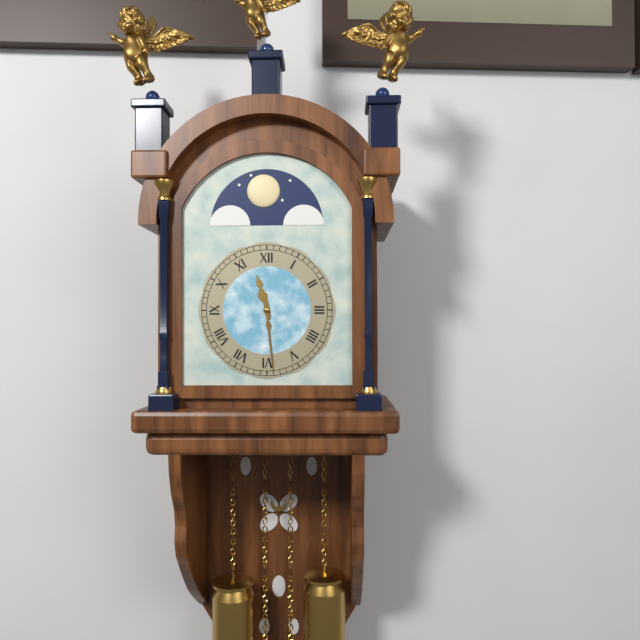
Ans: h=11 m=29
